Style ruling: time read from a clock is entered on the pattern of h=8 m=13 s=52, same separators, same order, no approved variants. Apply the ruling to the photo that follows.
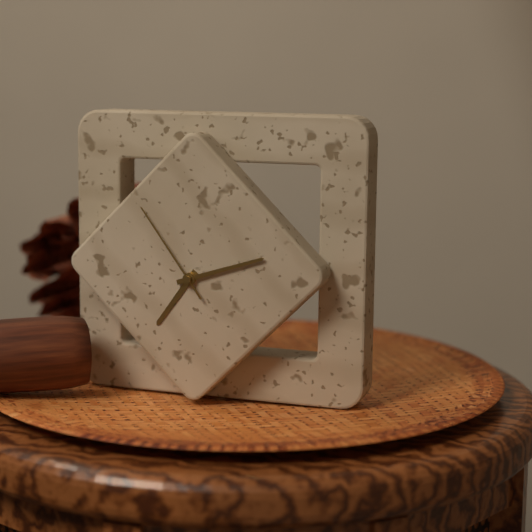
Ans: h=7 m=12 s=54
